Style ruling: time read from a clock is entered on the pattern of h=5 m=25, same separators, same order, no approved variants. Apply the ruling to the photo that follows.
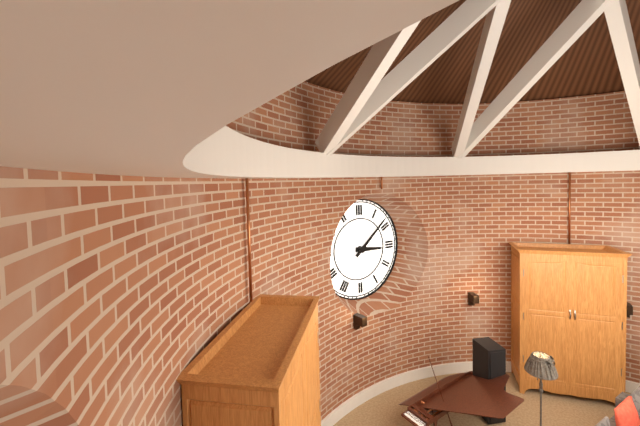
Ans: h=3 m=8
